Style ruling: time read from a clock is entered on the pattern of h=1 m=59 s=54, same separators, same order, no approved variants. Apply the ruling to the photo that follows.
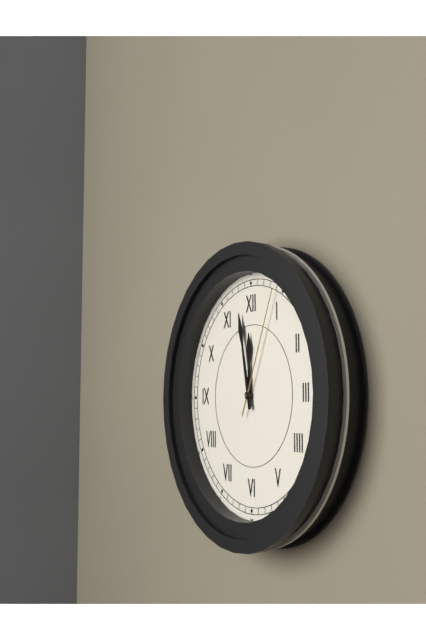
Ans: h=11 m=58 s=4
